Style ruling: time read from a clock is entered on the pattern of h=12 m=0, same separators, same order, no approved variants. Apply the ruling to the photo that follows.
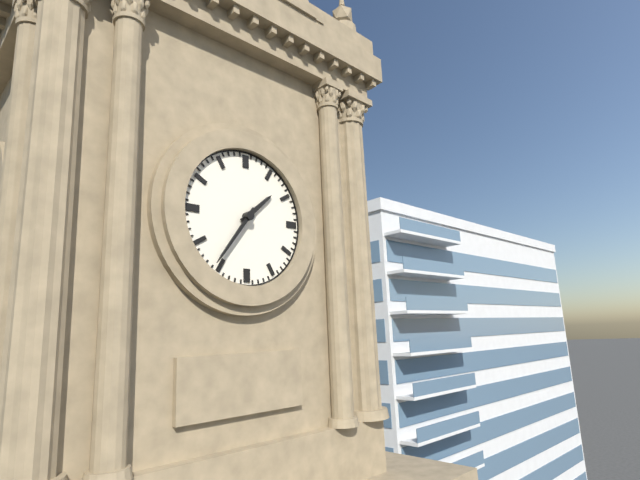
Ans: h=1 m=36
